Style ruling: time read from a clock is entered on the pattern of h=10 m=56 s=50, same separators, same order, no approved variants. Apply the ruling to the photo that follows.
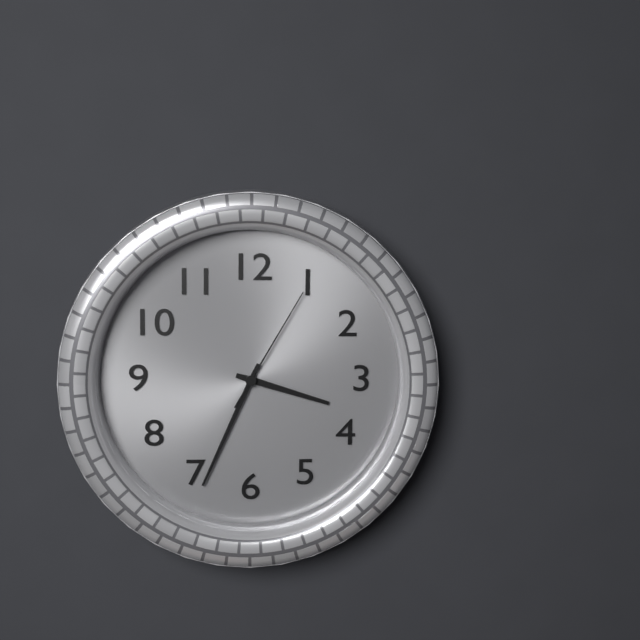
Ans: h=3 m=34 s=5
